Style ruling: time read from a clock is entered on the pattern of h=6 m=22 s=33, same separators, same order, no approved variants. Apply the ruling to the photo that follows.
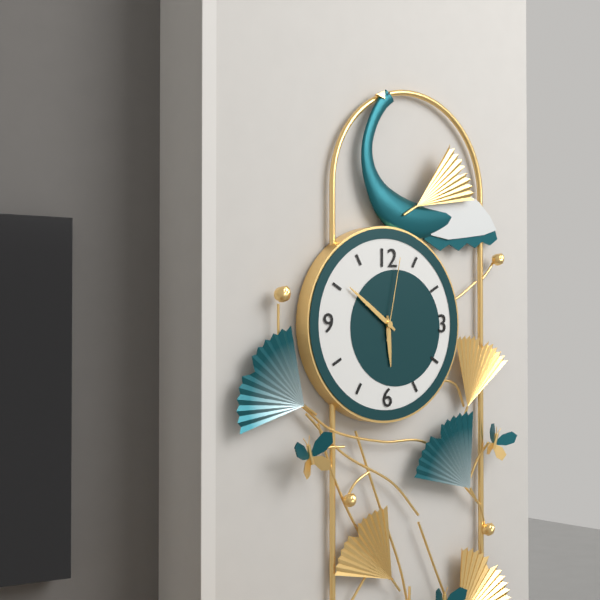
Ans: h=5 m=51 s=2
